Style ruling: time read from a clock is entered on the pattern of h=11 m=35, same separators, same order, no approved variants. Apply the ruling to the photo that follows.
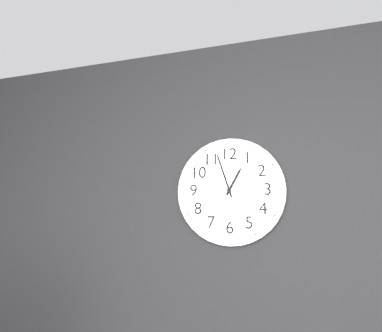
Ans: h=12 m=57
